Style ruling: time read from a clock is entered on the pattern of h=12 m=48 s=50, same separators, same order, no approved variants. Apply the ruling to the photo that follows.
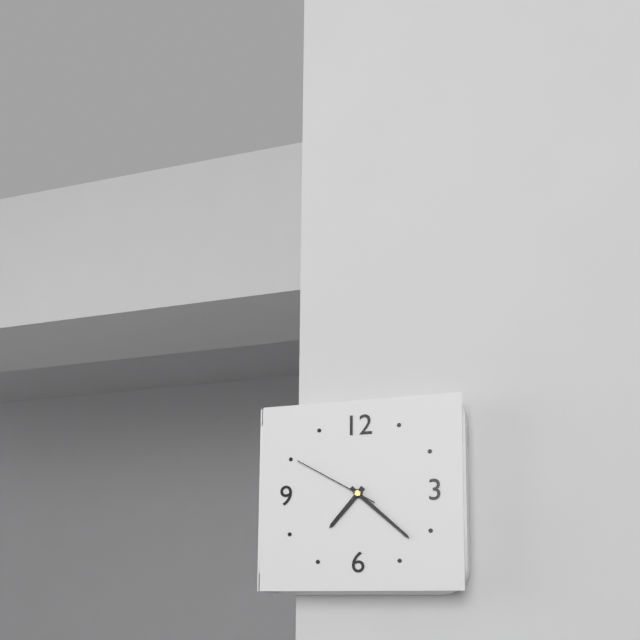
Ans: h=7 m=22 s=50
